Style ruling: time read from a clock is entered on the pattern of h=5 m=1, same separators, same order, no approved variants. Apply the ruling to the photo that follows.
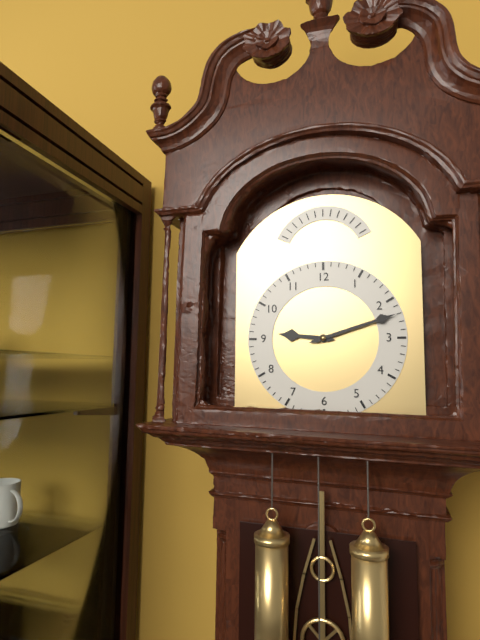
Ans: h=9 m=12
